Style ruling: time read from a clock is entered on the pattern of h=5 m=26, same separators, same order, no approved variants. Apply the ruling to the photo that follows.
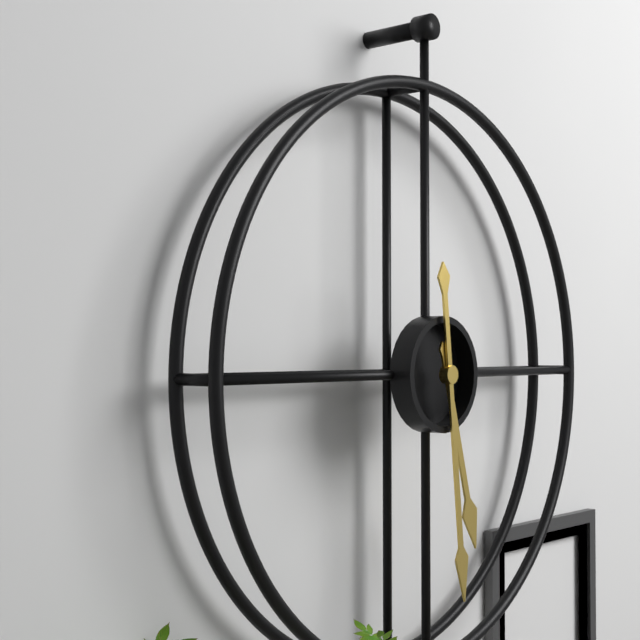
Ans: h=5 m=29
